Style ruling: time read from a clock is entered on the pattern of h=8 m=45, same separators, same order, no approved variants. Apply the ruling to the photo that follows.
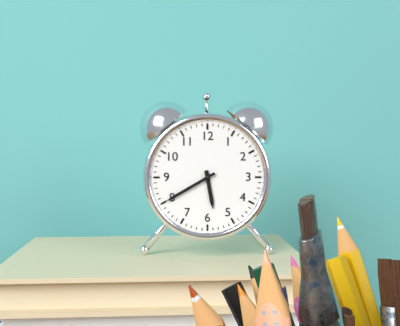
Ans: h=5 m=40
